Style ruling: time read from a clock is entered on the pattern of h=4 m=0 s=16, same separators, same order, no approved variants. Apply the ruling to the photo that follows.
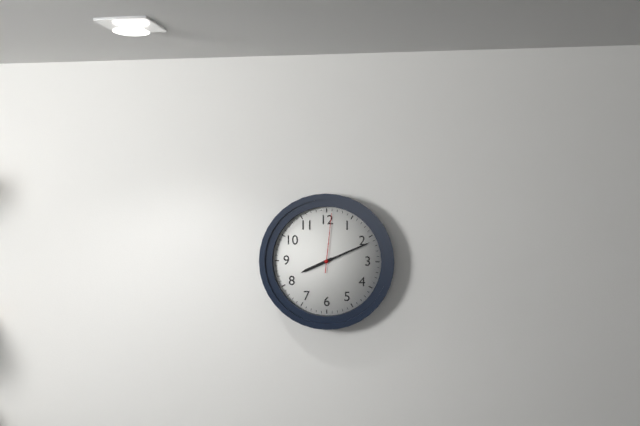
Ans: h=8 m=11 s=1
